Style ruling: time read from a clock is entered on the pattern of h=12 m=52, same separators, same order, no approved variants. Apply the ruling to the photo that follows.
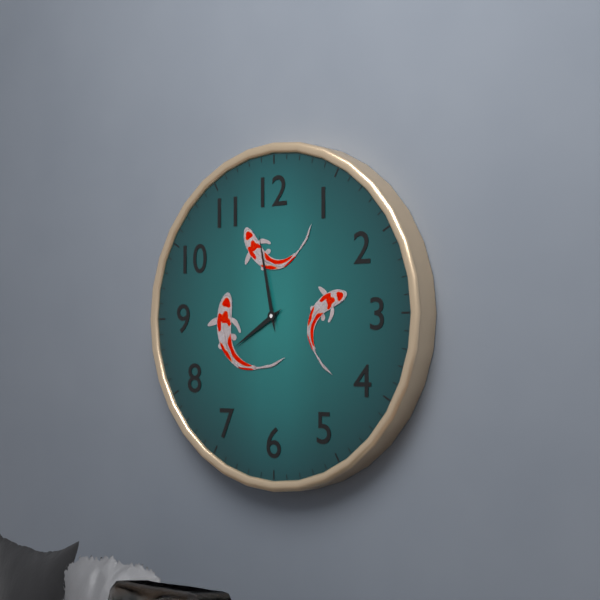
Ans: h=7 m=58
